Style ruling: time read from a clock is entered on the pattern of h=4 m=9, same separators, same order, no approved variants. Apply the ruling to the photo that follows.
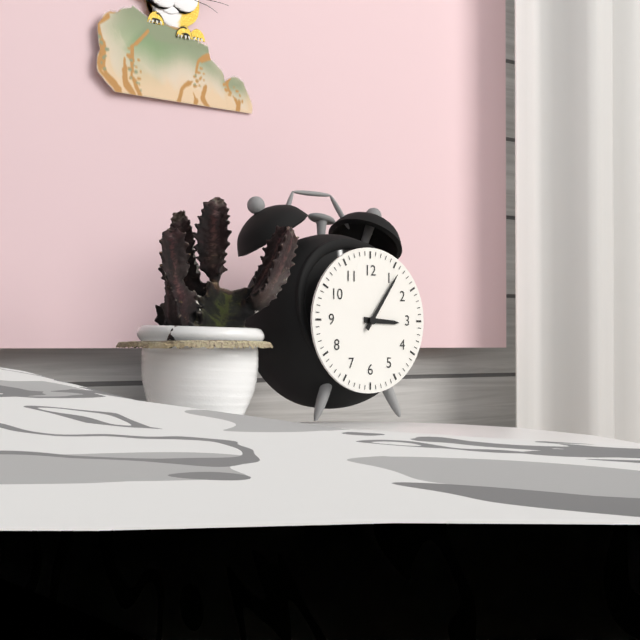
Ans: h=3 m=6
